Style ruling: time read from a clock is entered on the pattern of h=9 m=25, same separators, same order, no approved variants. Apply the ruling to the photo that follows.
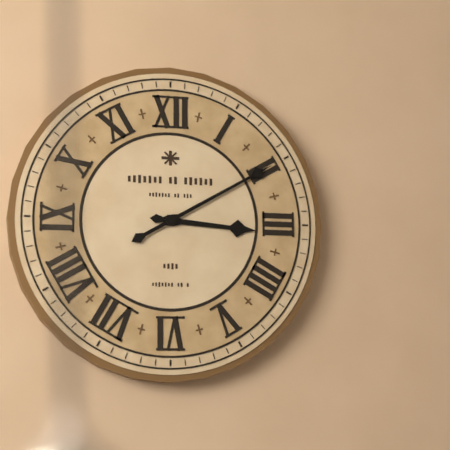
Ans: h=3 m=10
